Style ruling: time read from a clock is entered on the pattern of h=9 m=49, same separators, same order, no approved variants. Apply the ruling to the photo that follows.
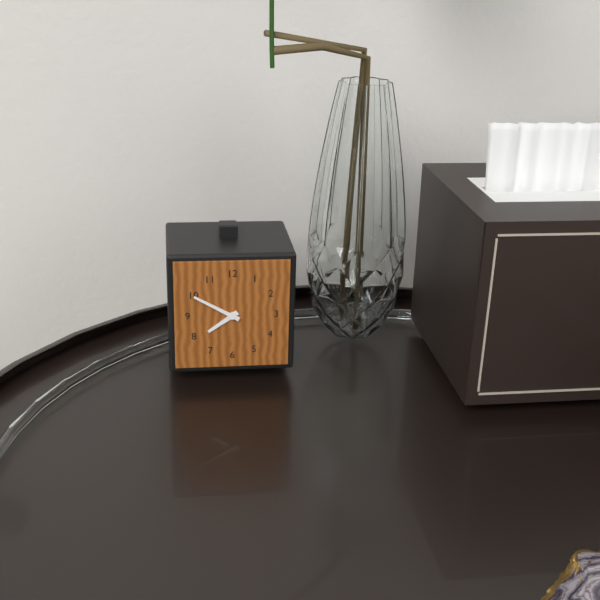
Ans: h=7 m=50
